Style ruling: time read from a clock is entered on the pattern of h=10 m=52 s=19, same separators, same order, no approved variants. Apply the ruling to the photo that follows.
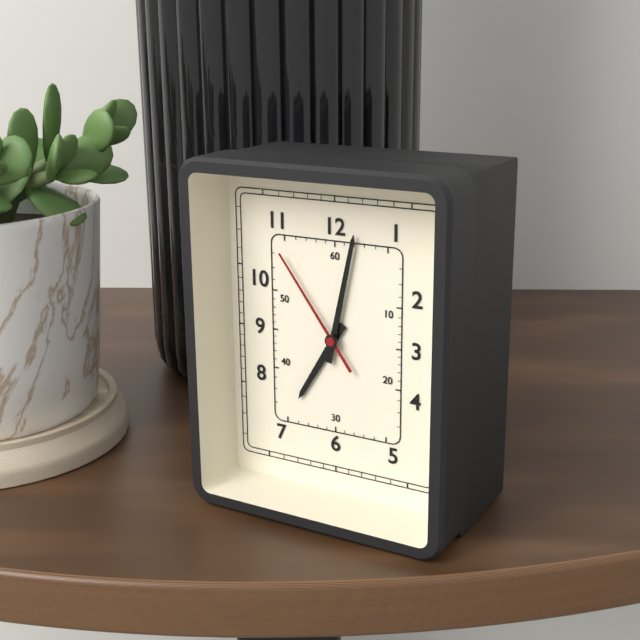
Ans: h=7 m=2 s=54
